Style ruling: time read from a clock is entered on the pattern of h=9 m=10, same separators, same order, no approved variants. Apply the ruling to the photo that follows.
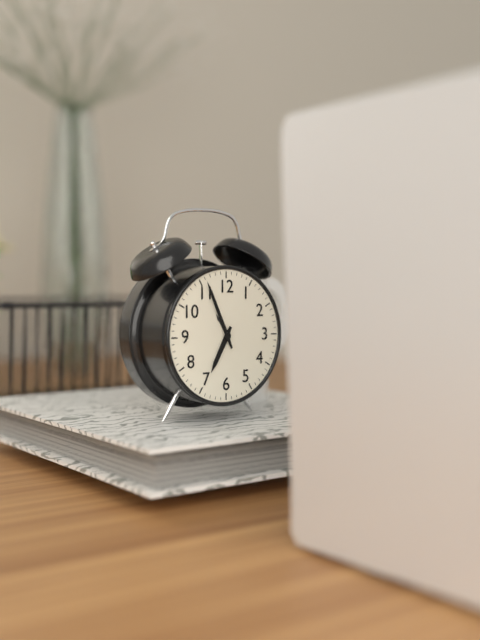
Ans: h=6 m=56
